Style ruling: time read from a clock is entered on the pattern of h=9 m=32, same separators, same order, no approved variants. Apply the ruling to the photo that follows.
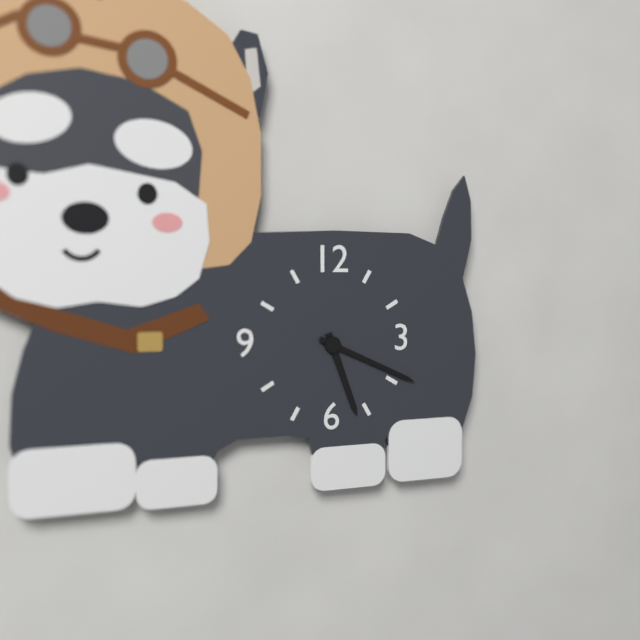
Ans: h=5 m=19
